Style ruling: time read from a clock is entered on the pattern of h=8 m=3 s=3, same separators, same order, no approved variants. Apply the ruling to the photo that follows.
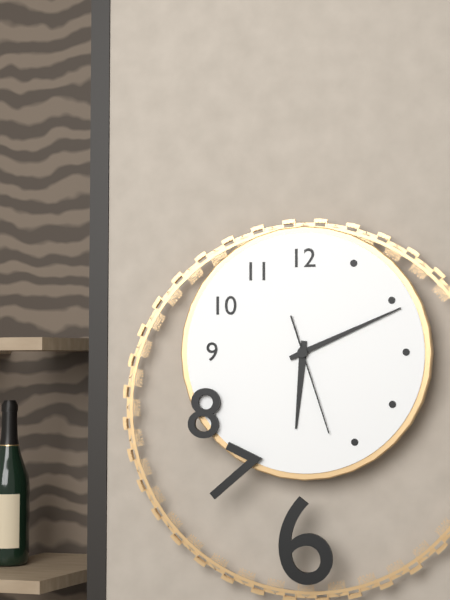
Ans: h=6 m=11 s=27
